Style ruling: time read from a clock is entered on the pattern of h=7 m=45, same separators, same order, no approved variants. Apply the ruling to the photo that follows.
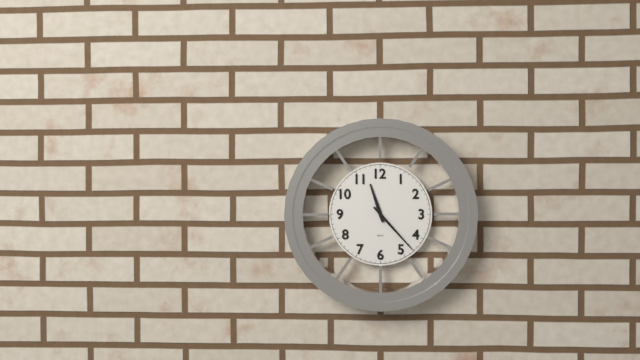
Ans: h=11 m=23
